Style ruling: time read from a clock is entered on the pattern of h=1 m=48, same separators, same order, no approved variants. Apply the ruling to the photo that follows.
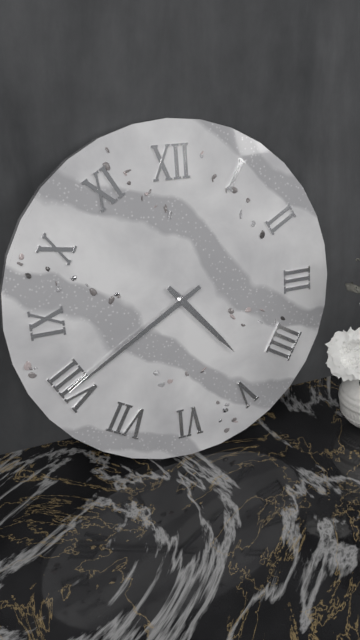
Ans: h=4 m=40
